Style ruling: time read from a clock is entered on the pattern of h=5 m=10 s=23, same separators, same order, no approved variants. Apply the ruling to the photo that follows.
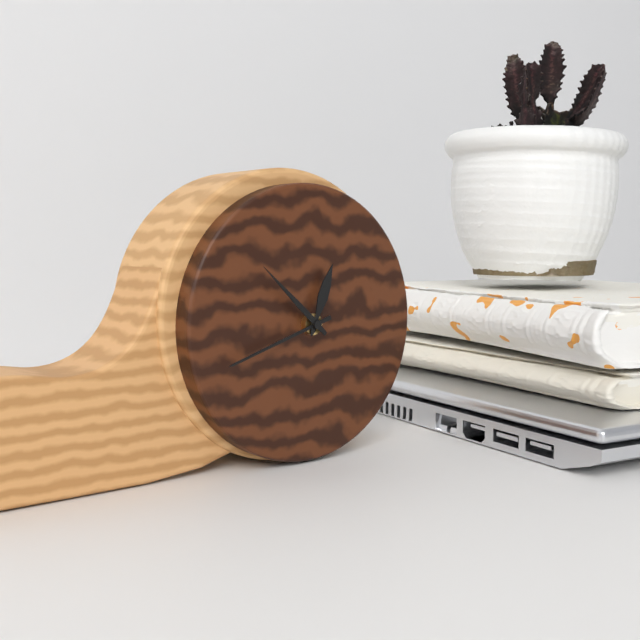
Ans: h=12 m=42 s=52
